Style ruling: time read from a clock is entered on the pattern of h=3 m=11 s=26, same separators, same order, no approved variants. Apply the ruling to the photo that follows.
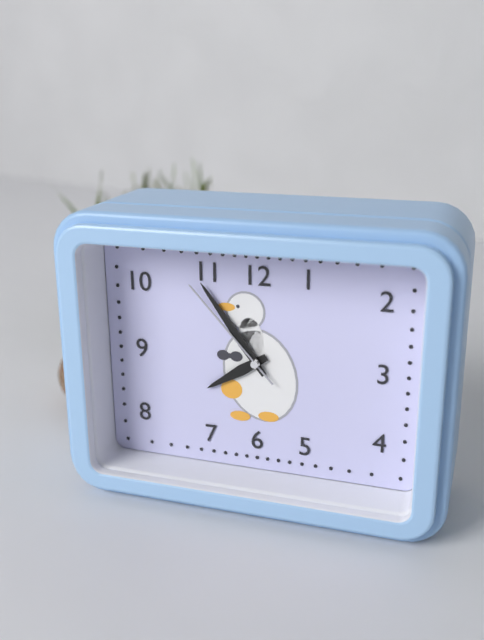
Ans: h=7 m=54 s=53
